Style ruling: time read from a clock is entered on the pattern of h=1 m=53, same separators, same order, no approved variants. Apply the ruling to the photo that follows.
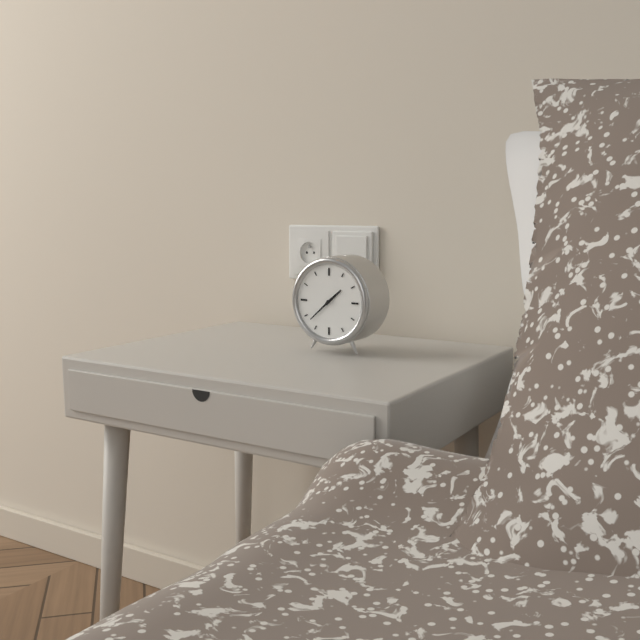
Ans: h=1 m=38
